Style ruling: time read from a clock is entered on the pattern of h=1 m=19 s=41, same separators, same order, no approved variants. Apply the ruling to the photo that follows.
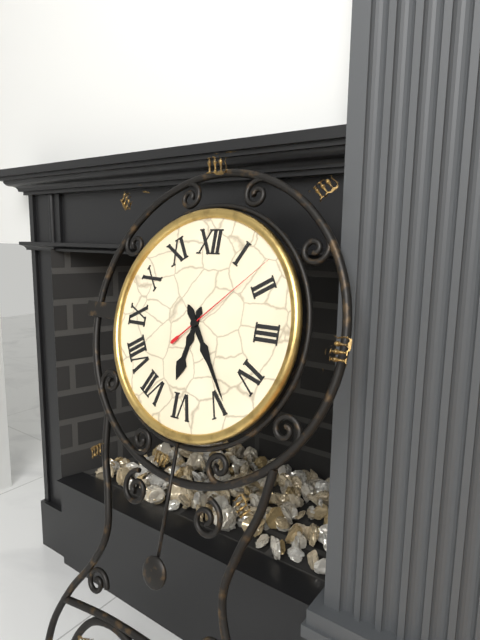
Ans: h=6 m=24 s=8
